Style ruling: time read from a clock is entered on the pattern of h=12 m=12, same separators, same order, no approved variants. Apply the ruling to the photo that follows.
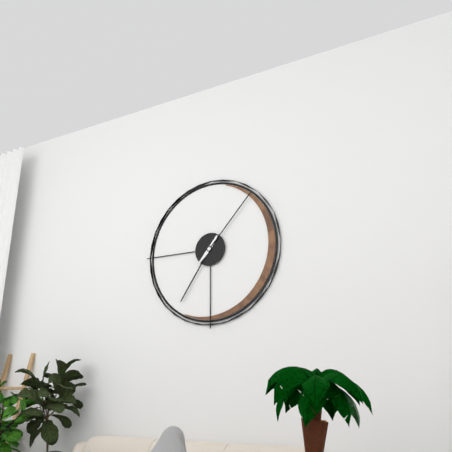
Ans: h=7 m=7
